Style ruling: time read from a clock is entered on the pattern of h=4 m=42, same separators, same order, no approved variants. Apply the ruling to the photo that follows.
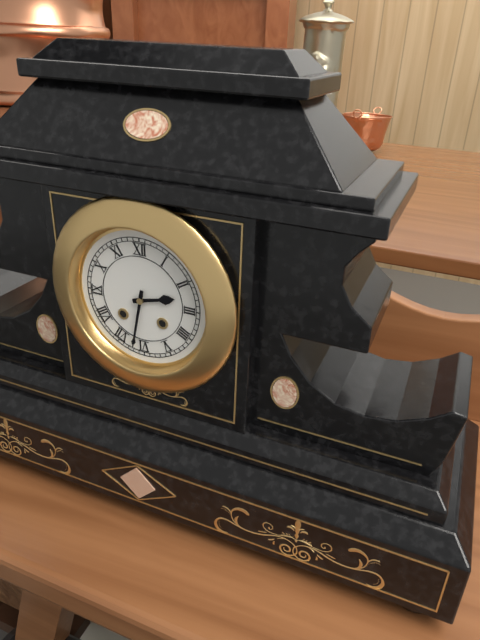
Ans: h=2 m=32
